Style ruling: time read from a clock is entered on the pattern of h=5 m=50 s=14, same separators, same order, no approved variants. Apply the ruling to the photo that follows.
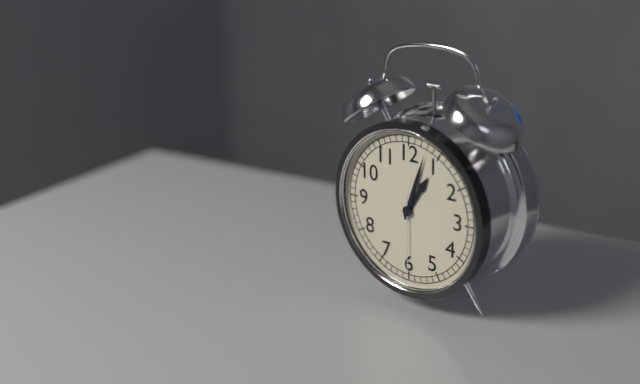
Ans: h=1 m=3 s=30
